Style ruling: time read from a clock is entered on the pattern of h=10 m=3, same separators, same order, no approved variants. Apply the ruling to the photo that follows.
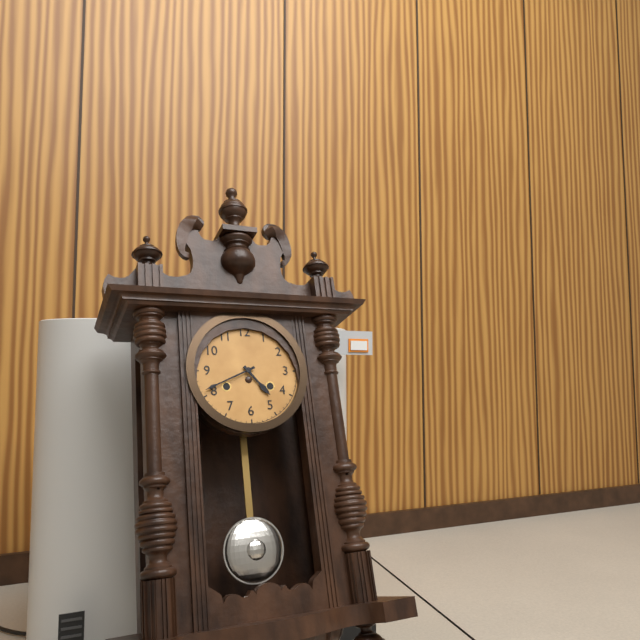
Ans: h=4 m=41
